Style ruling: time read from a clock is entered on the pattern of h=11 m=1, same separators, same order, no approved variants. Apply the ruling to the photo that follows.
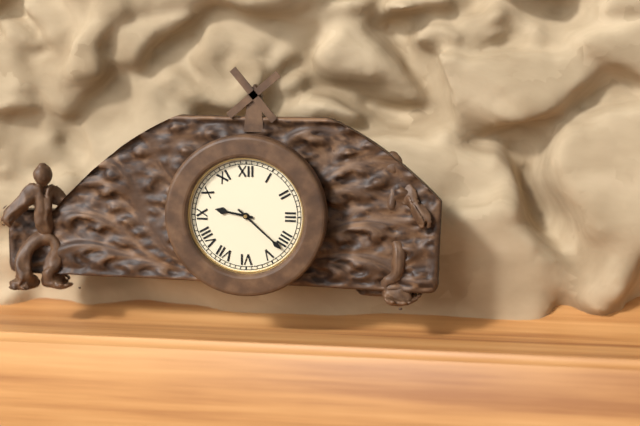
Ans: h=9 m=22
